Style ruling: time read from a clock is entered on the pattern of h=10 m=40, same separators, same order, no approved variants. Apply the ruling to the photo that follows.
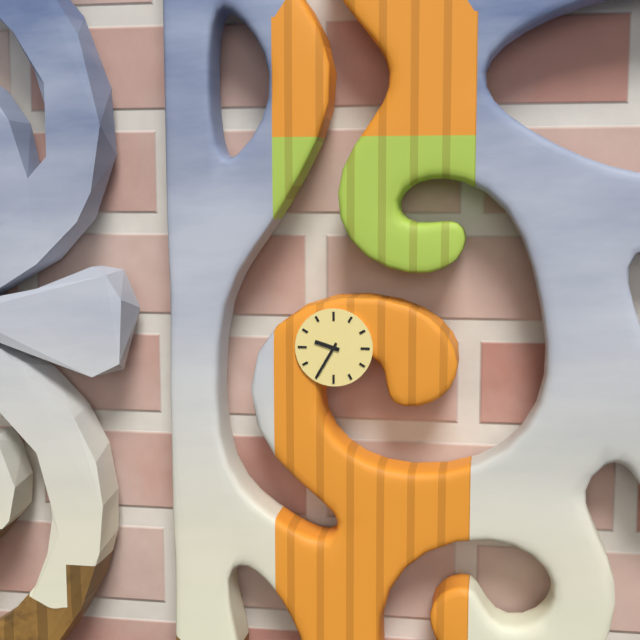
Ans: h=9 m=35
